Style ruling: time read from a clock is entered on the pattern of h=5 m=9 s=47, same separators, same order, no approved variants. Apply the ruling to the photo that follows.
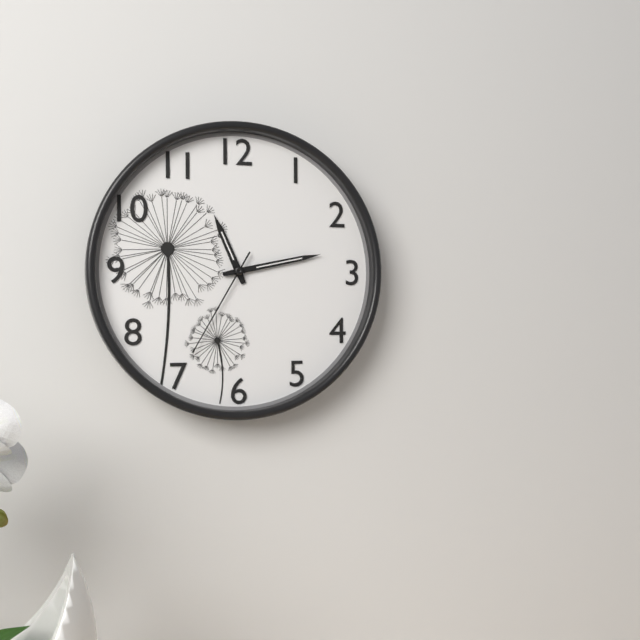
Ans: h=11 m=13 s=35
